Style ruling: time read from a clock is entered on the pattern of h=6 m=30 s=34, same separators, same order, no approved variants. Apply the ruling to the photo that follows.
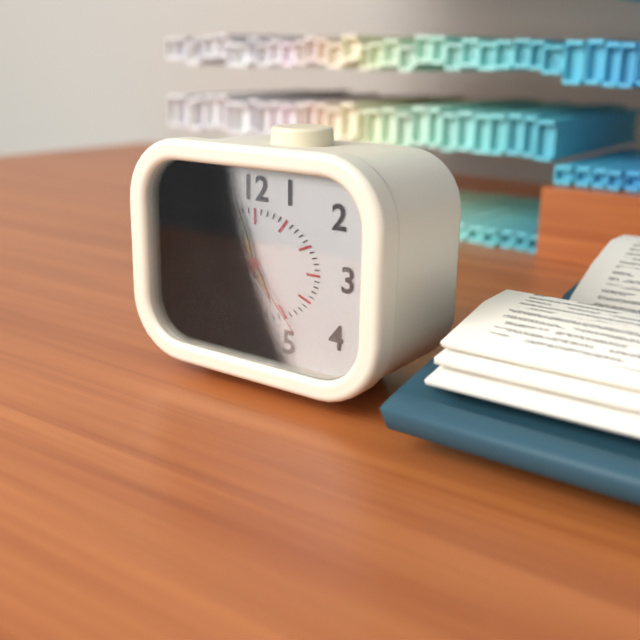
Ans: h=4 m=57 s=23
